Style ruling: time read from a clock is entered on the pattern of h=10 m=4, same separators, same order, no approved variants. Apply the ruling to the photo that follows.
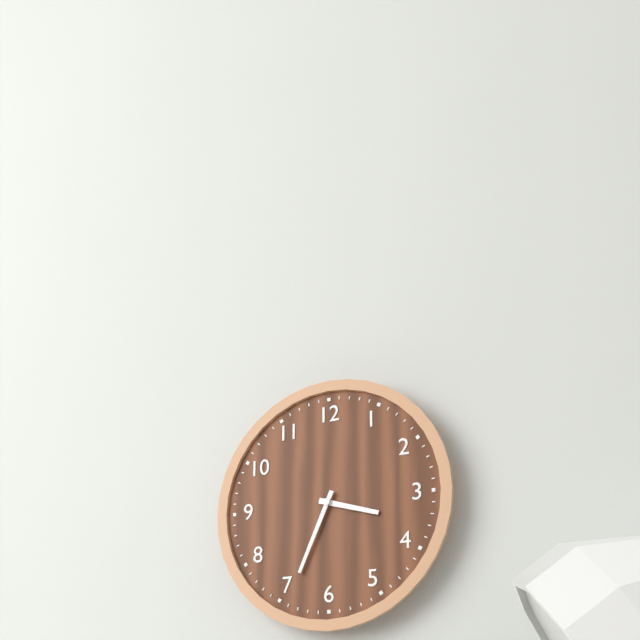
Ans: h=3 m=34
